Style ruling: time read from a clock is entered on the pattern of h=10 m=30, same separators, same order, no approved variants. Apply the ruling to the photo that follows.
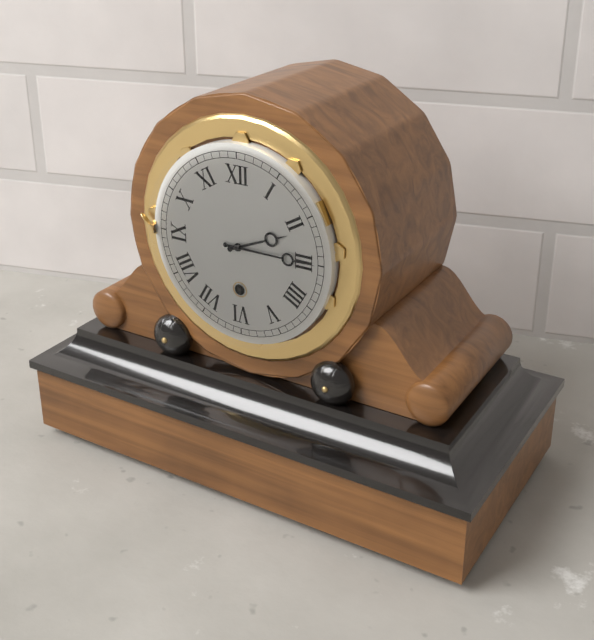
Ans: h=2 m=15
